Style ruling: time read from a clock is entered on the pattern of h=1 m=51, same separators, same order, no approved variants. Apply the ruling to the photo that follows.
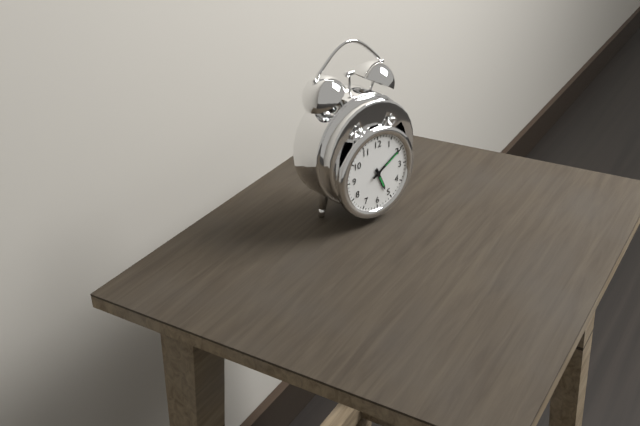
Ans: h=5 m=10
